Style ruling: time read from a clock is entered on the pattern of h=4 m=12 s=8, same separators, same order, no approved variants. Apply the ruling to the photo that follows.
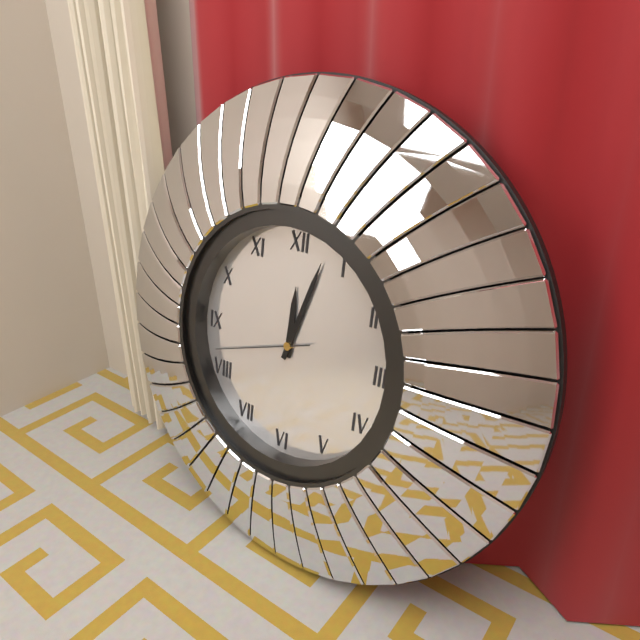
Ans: h=12 m=3 s=42
